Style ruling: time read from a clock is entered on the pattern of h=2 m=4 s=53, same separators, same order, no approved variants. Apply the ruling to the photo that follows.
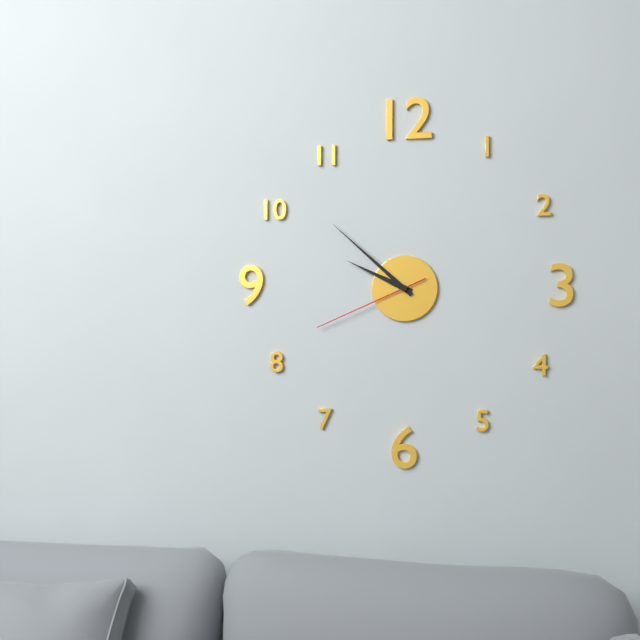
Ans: h=9 m=52 s=41
